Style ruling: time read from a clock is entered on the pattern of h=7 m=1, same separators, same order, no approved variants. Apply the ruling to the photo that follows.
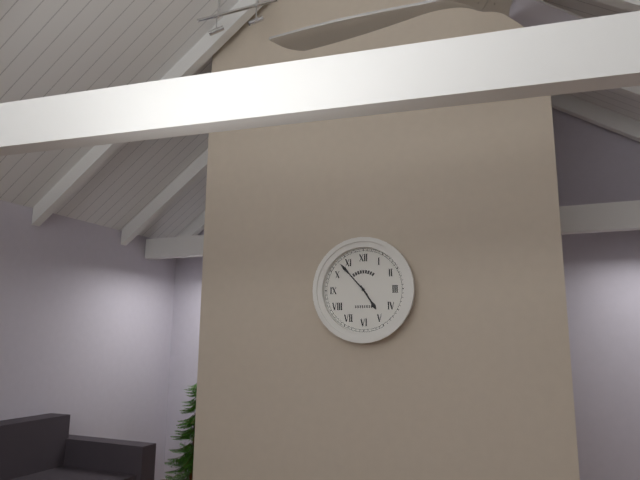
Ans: h=4 m=53
